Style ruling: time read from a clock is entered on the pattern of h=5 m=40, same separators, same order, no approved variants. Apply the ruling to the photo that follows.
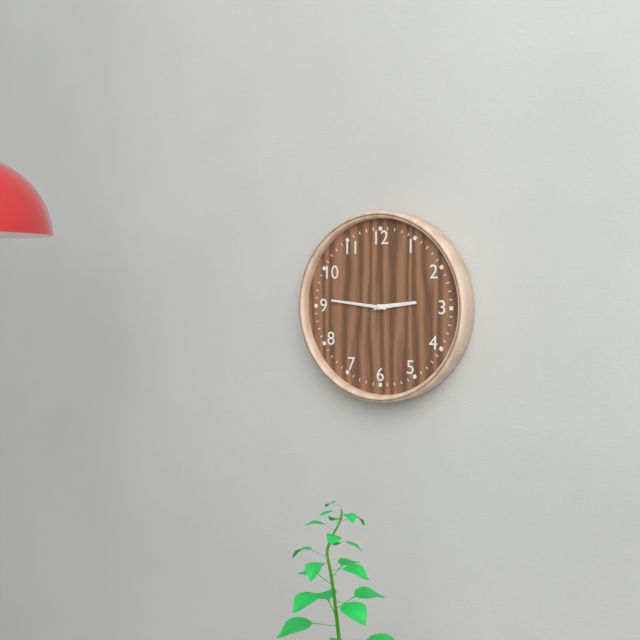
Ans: h=2 m=46
